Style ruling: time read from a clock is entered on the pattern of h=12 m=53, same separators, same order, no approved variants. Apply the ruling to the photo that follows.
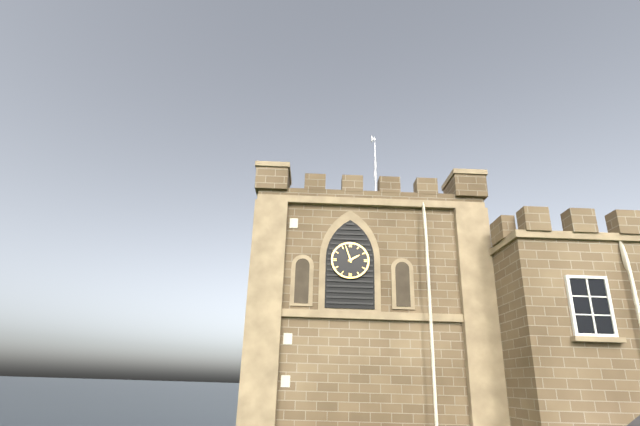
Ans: h=1 m=57
